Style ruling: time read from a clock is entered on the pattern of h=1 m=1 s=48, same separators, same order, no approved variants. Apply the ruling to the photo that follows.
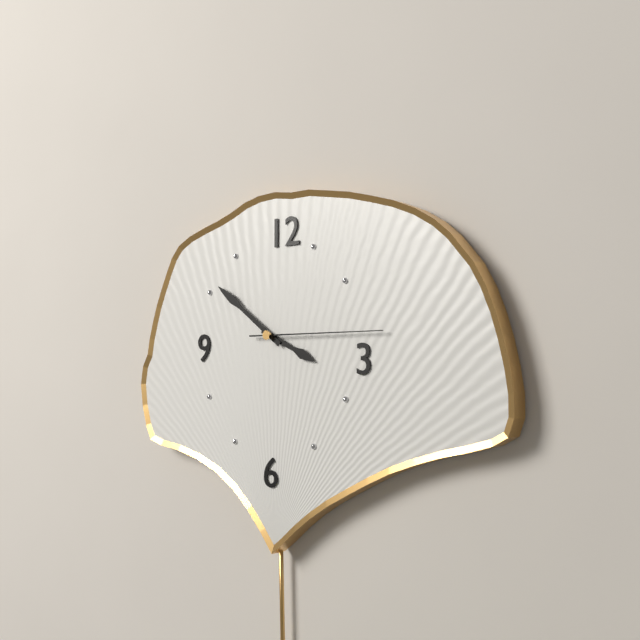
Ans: h=3 m=51 s=15
